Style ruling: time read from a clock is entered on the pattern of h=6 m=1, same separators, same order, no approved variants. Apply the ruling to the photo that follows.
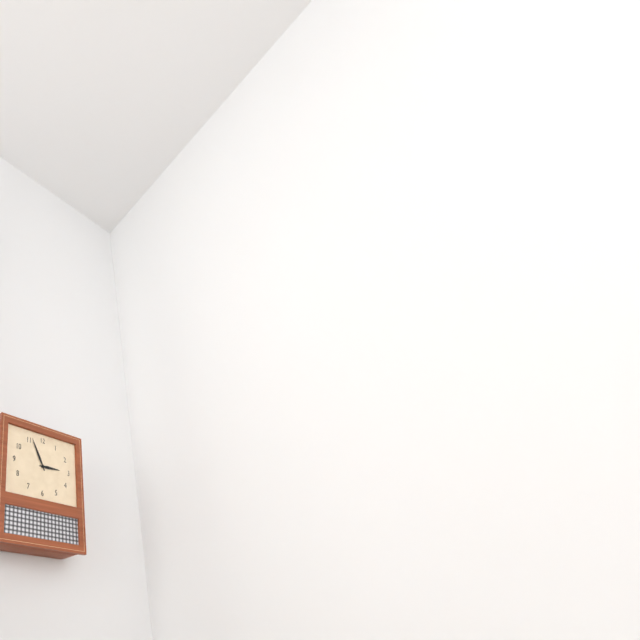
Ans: h=2 m=56
